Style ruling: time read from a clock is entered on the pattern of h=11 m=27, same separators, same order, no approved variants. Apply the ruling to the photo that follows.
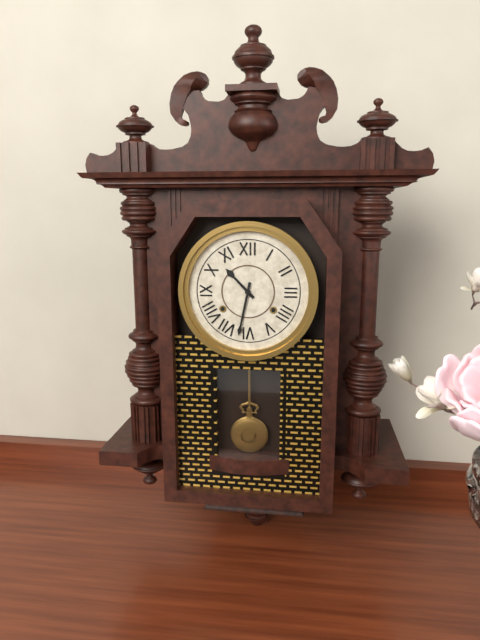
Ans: h=10 m=32
